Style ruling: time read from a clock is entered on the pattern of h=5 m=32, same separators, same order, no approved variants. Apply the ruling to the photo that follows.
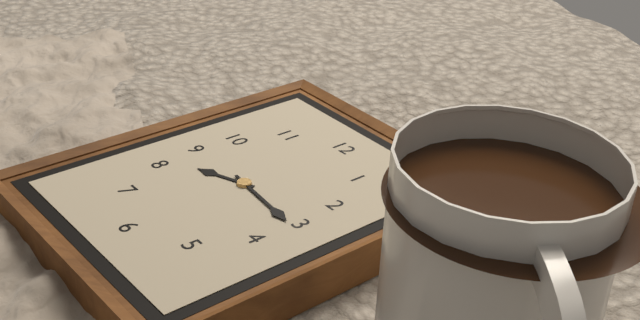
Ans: h=8 m=16
